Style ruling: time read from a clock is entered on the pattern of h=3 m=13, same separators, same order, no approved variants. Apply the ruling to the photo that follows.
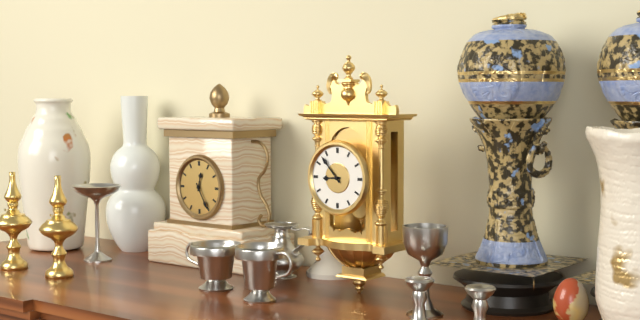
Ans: h=8 m=53
